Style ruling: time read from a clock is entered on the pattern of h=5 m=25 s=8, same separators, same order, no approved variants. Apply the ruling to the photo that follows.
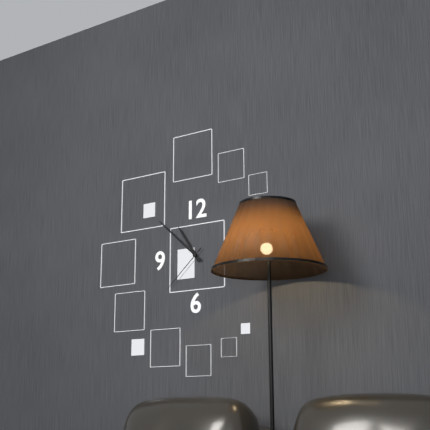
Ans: h=10 m=52 s=38
